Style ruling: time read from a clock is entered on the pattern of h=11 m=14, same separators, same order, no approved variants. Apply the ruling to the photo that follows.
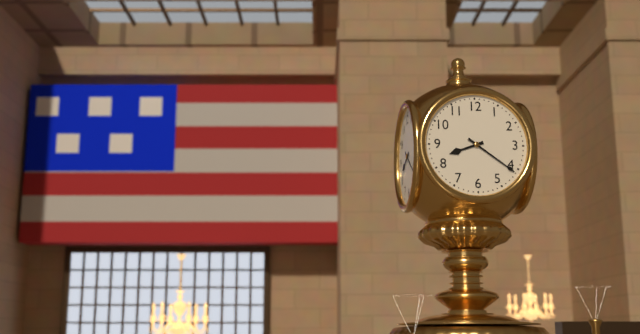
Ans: h=8 m=21
